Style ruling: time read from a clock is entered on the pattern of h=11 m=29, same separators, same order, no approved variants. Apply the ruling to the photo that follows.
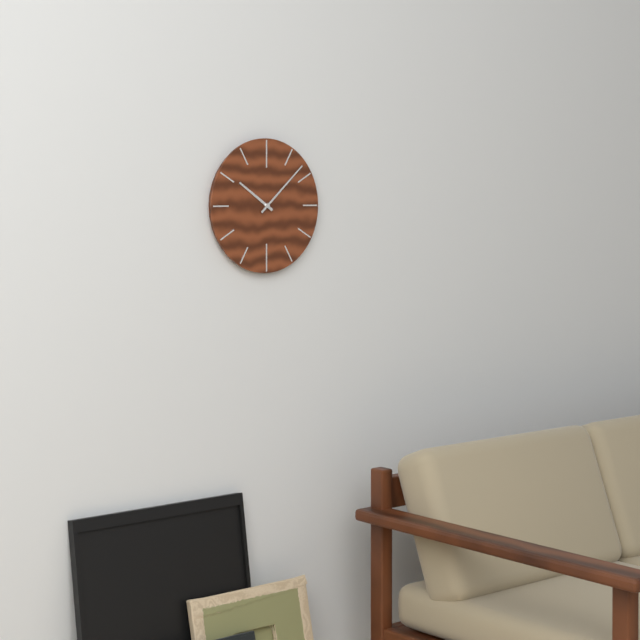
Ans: h=10 m=8
